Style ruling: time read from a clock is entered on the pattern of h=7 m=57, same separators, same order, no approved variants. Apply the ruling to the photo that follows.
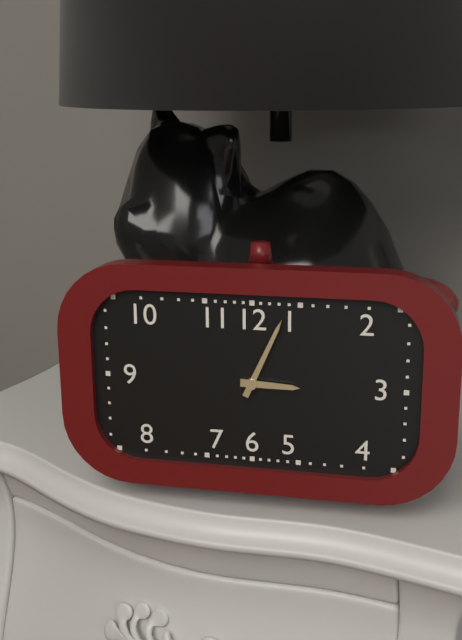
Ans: h=3 m=4
